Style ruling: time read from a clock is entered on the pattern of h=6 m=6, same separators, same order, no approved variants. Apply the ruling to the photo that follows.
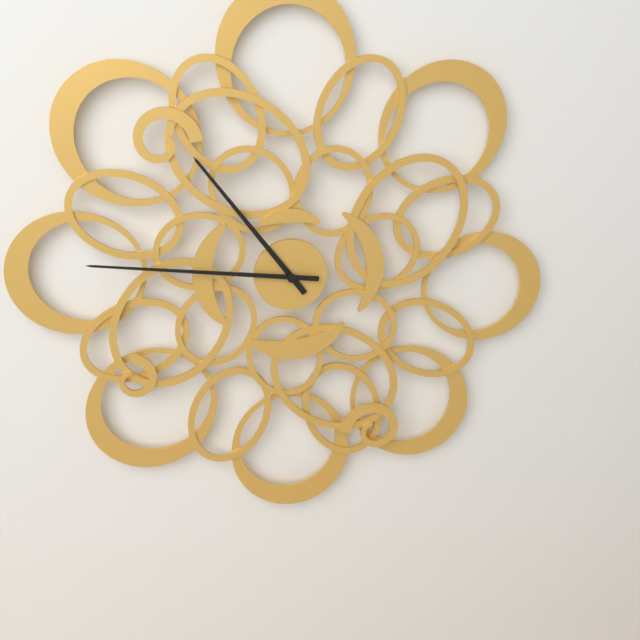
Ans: h=10 m=46
